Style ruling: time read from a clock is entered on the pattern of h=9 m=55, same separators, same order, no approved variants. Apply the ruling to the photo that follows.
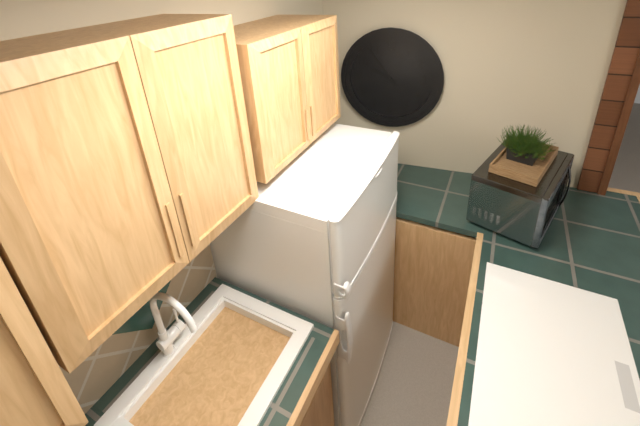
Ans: h=9 m=54
